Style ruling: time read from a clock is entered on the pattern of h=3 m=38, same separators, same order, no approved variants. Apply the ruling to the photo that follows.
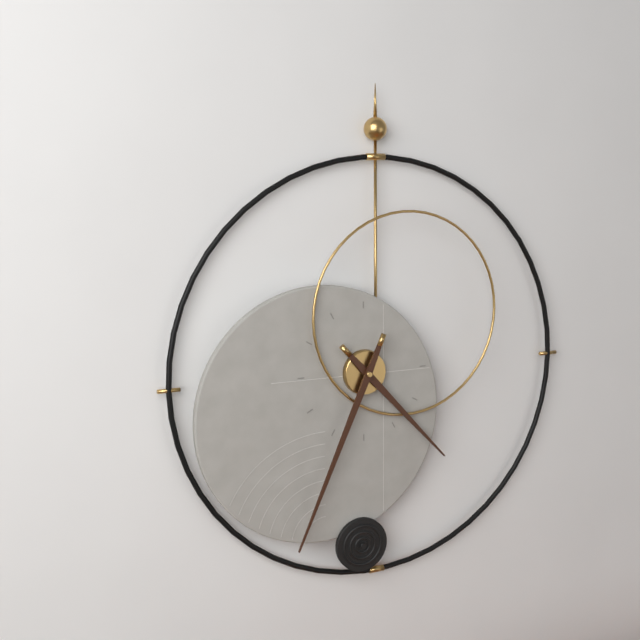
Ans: h=4 m=34
